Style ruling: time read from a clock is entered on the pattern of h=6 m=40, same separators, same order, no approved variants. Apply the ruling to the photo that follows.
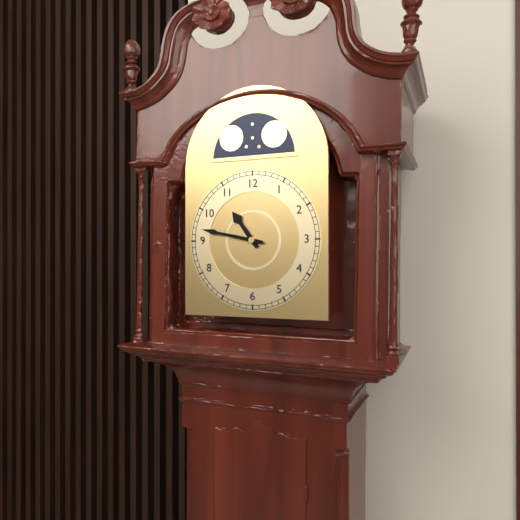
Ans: h=10 m=47
